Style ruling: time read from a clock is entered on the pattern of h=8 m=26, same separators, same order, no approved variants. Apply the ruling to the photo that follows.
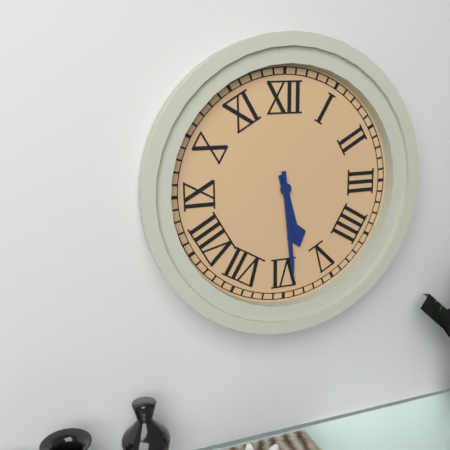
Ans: h=5 m=29
